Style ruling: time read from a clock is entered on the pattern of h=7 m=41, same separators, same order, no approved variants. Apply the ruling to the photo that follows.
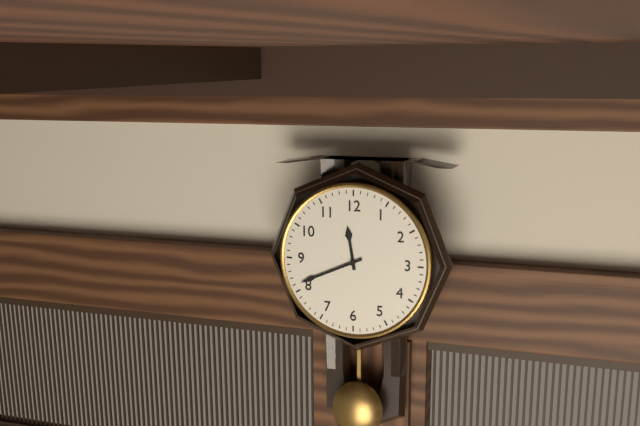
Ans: h=11 m=41
